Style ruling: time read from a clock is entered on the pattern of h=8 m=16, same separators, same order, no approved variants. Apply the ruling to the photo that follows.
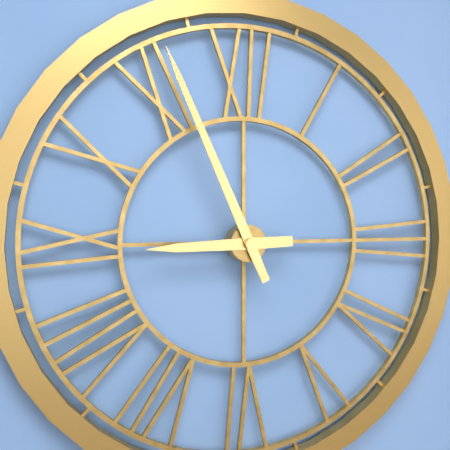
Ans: h=8 m=56
